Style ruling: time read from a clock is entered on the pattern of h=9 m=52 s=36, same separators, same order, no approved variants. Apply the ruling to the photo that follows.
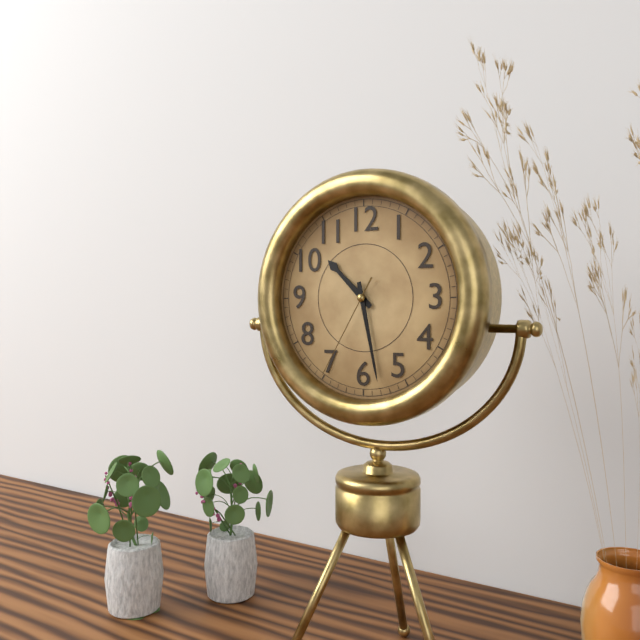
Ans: h=10 m=28 s=35
